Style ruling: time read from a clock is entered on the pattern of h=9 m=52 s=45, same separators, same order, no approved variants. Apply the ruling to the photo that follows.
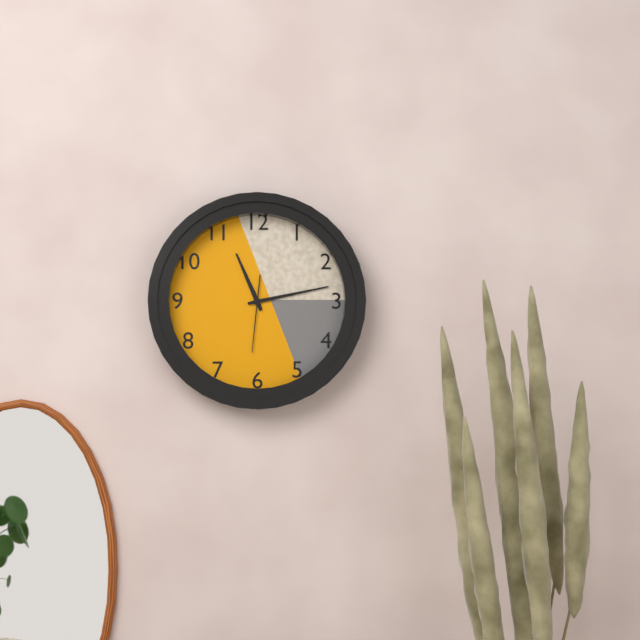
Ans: h=11 m=13 s=31
